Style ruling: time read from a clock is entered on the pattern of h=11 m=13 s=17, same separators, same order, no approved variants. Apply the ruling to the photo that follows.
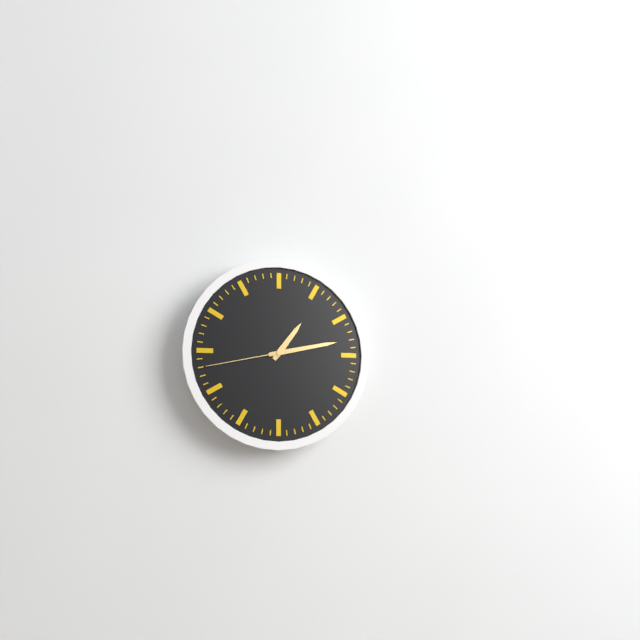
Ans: h=1 m=13 s=43
